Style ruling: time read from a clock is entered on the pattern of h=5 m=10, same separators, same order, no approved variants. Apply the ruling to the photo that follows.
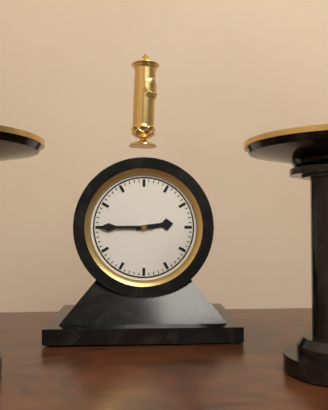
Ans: h=2 m=45
